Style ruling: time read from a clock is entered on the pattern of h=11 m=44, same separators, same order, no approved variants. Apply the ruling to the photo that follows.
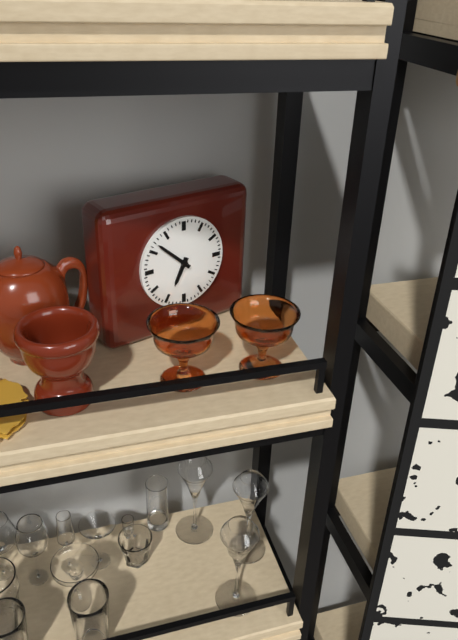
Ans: h=6 m=52
